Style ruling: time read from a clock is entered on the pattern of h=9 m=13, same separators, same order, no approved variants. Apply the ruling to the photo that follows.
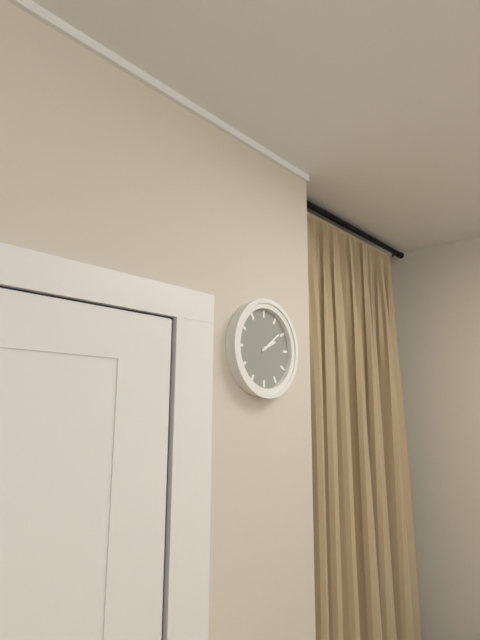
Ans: h=2 m=9
